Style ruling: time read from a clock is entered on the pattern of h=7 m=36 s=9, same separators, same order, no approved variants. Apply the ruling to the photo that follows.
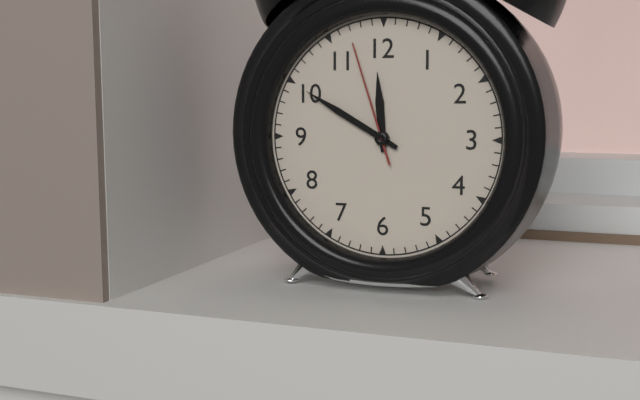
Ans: h=11 m=50 s=57
